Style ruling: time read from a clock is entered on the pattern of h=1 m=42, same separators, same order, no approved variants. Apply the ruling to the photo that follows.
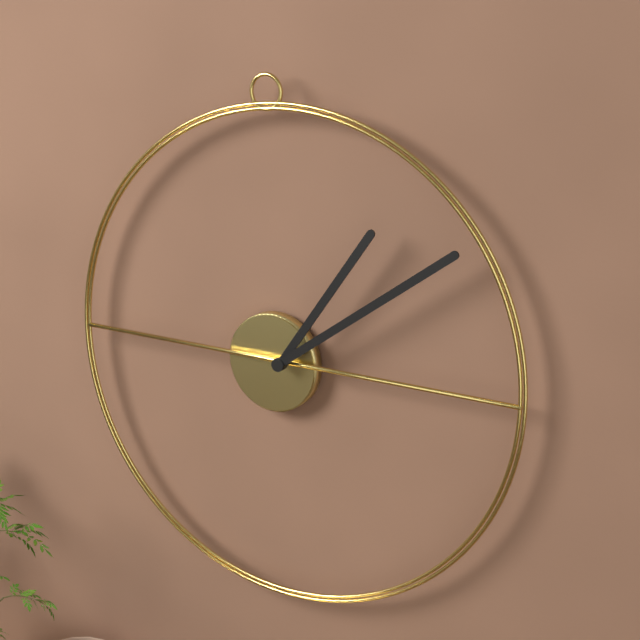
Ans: h=1 m=9
